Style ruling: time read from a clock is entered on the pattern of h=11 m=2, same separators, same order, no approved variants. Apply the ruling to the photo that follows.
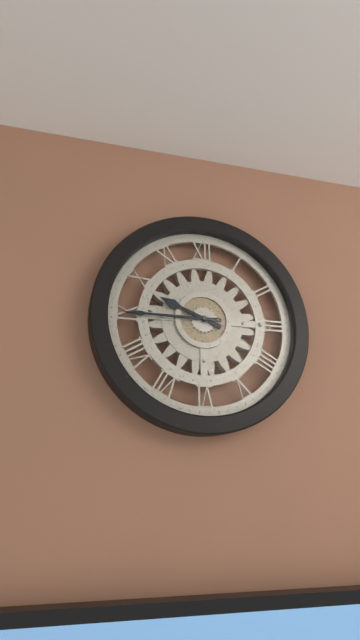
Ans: h=9 m=45
